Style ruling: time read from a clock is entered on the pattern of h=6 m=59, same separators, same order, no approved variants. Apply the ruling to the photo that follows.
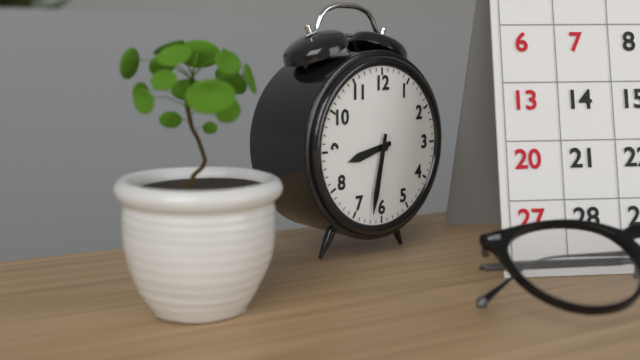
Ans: h=8 m=32
